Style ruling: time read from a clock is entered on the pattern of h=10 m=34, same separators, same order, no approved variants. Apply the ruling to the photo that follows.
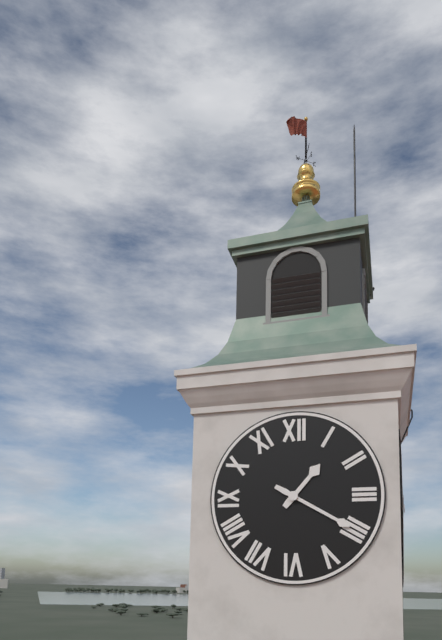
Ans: h=1 m=20
